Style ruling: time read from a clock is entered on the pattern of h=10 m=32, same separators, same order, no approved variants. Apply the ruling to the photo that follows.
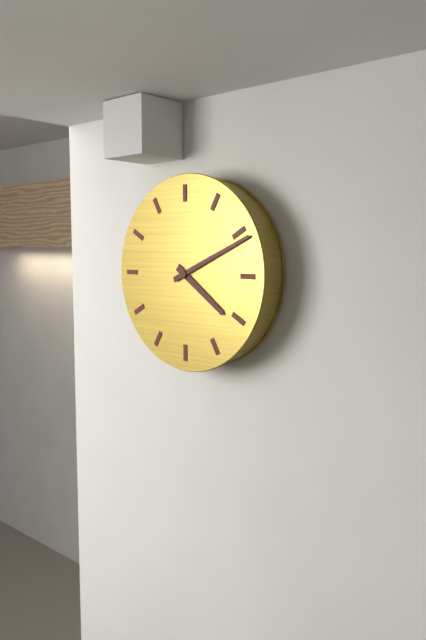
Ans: h=4 m=11
